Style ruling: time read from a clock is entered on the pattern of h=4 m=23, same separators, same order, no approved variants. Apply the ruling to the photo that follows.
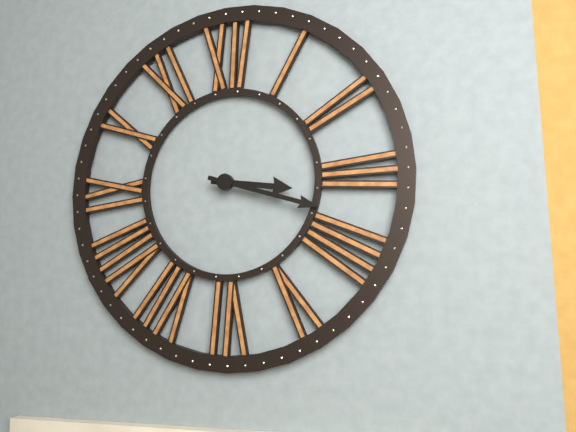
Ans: h=3 m=18
